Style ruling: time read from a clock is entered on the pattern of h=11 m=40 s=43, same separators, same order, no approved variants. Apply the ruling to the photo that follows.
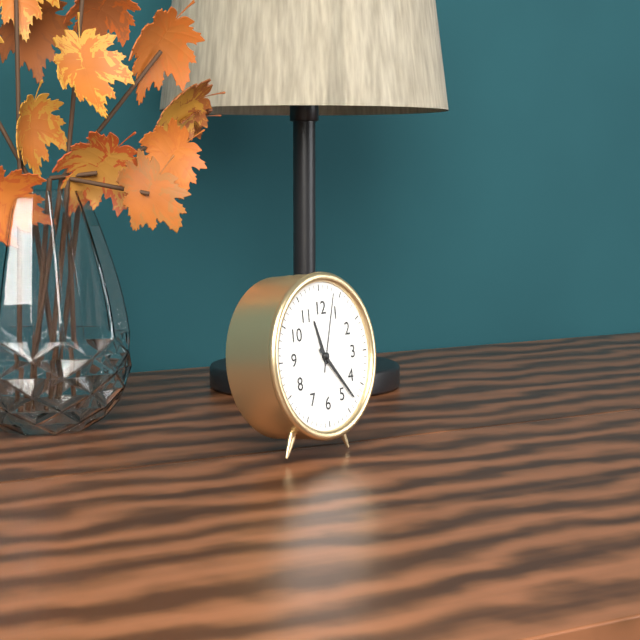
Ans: h=11 m=23 s=3
